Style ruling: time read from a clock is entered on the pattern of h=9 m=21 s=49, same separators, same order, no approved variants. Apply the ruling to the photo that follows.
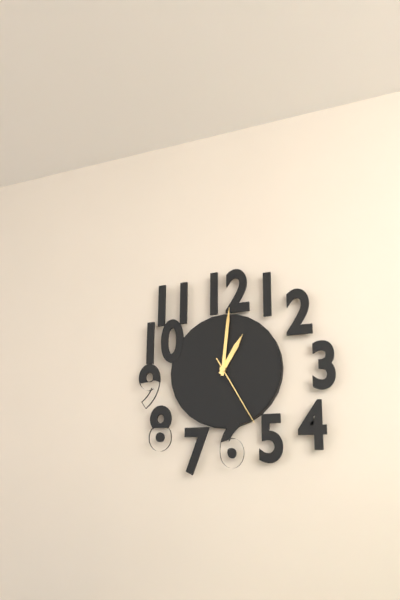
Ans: h=1 m=1 s=25
